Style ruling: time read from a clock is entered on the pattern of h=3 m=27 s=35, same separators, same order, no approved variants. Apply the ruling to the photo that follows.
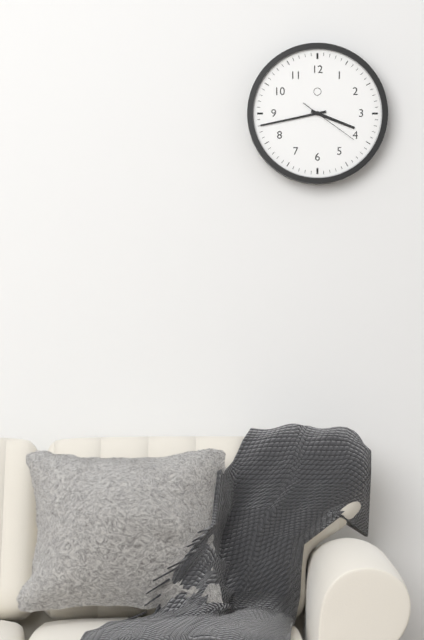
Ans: h=3 m=43 s=21
